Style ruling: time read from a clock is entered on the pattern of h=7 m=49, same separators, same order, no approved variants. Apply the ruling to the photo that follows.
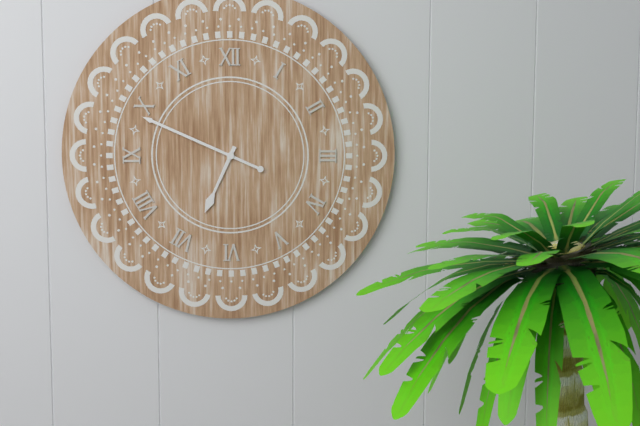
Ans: h=6 m=49
